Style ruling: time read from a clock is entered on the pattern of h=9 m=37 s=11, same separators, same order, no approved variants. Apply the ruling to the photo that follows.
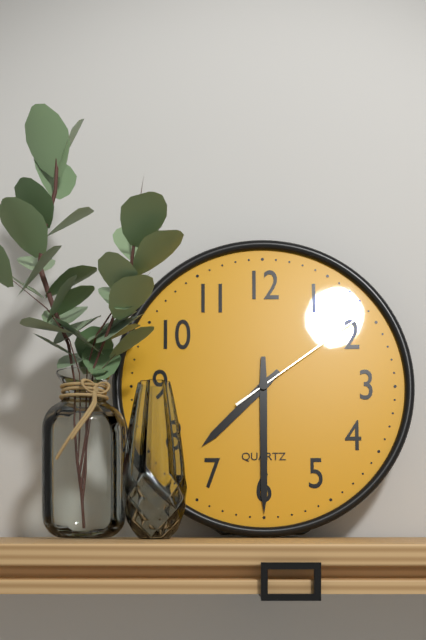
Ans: h=7 m=30 s=9
